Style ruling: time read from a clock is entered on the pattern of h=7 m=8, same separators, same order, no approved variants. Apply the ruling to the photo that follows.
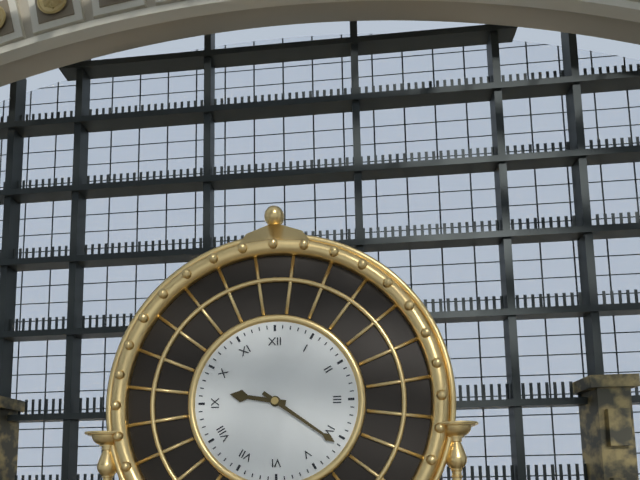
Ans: h=9 m=21
